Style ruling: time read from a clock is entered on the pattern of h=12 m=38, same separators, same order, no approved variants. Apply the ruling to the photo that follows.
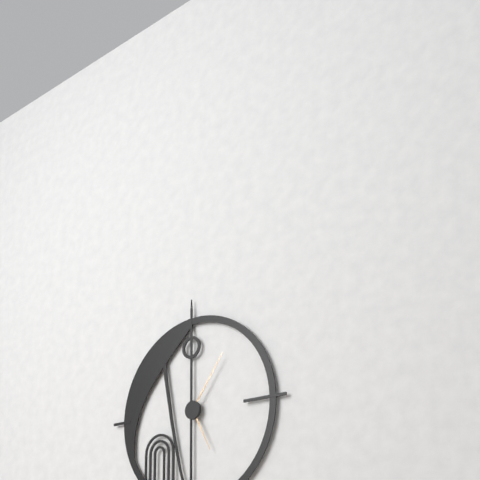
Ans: h=5 m=6
